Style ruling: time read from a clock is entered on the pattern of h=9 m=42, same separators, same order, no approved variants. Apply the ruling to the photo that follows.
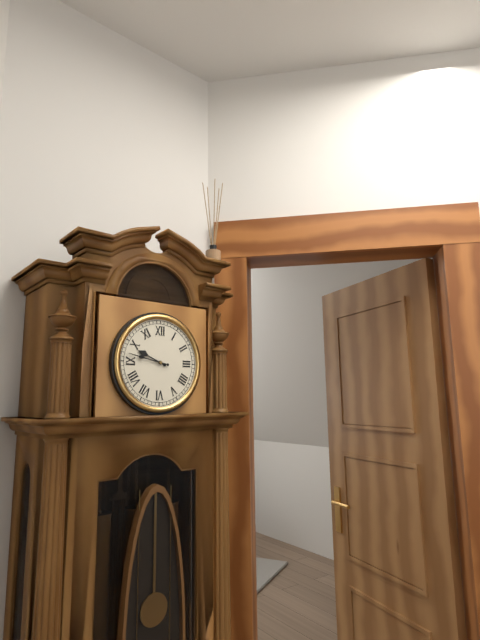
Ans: h=9 m=47
